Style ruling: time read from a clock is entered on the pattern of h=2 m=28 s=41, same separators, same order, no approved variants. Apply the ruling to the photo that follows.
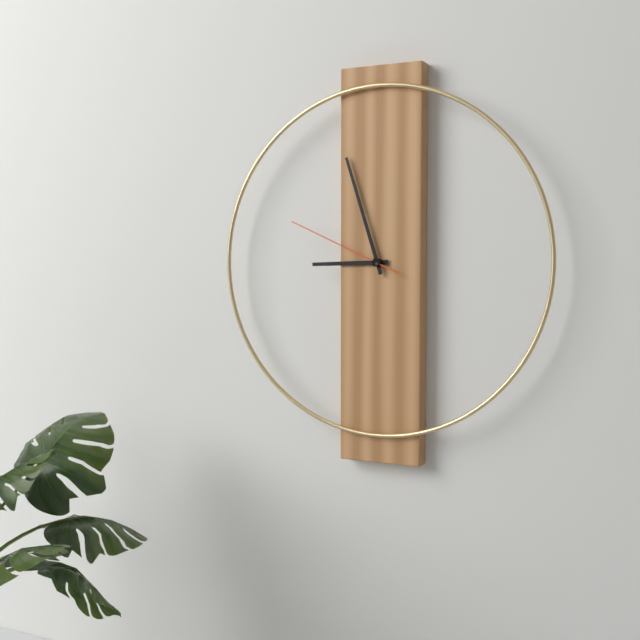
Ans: h=8 m=57 s=49
